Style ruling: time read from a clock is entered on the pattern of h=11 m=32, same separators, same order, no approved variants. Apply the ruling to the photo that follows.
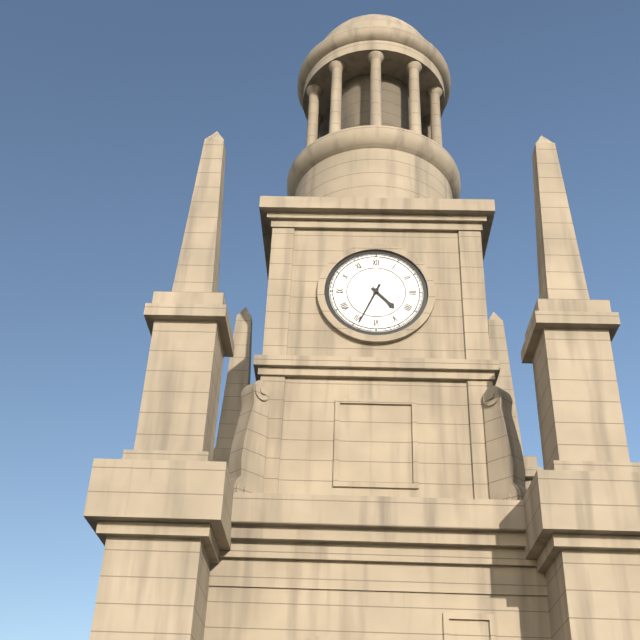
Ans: h=4 m=34
